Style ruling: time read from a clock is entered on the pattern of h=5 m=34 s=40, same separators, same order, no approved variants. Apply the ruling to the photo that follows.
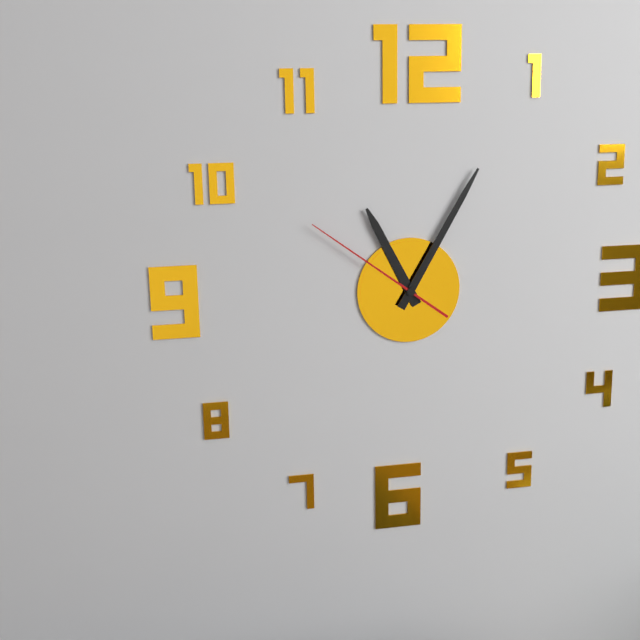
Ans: h=11 m=5 s=51
